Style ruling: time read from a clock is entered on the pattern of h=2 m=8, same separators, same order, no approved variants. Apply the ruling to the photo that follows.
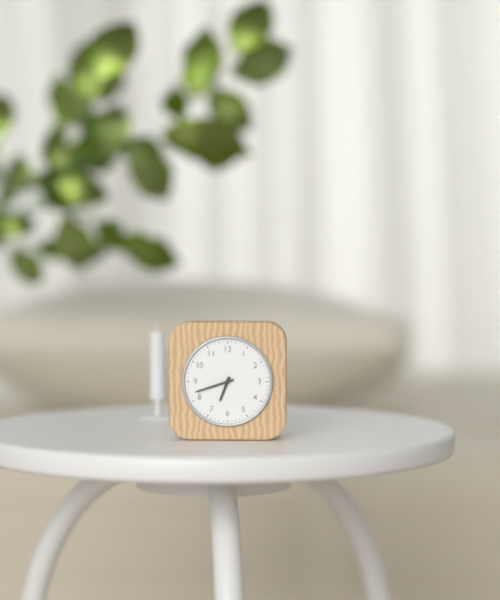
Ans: h=6 m=42
